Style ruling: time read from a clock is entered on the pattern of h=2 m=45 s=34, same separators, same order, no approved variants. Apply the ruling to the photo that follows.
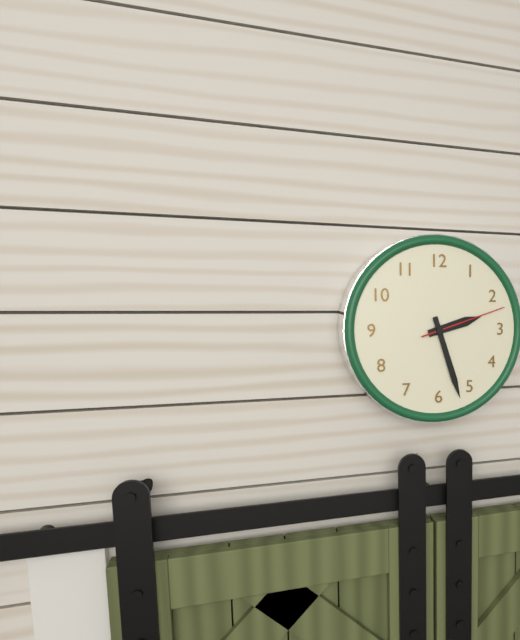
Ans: h=2 m=27 s=12
